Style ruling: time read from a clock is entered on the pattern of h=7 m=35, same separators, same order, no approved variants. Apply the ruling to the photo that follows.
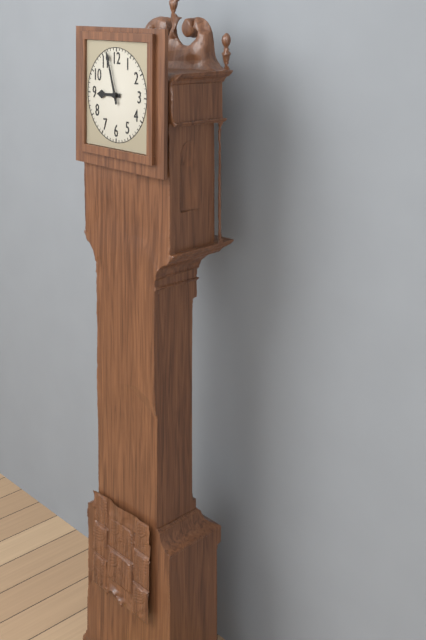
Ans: h=8 m=57
